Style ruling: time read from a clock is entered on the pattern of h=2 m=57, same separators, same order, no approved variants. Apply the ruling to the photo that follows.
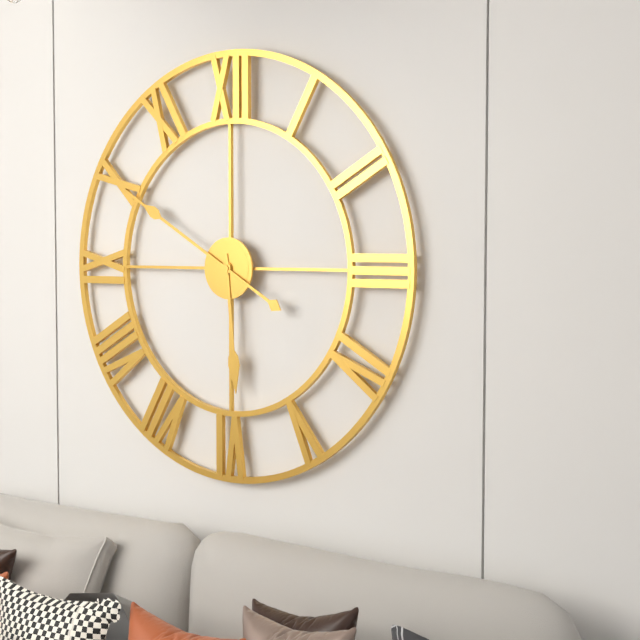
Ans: h=5 m=50
